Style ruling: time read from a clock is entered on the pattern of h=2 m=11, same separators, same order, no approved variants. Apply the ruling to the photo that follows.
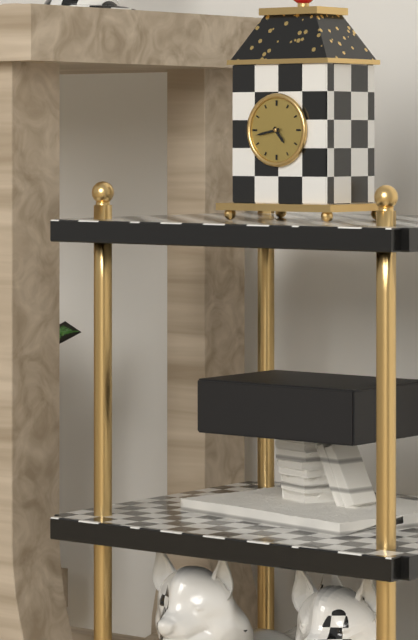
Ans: h=4 m=43
